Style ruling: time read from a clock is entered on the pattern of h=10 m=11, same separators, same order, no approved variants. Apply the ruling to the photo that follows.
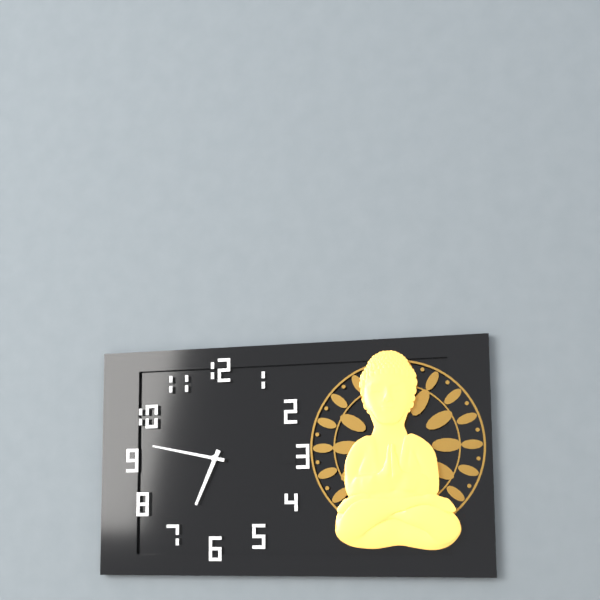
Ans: h=6 m=47
